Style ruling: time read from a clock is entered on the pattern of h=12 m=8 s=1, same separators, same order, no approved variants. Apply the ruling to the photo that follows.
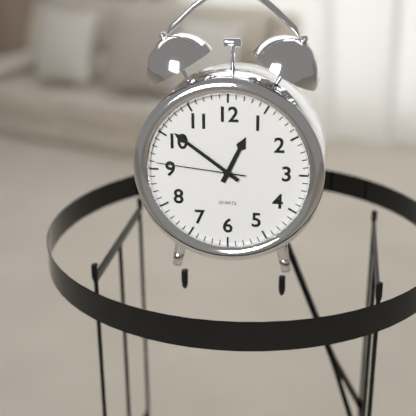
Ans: h=12 m=51 s=46
